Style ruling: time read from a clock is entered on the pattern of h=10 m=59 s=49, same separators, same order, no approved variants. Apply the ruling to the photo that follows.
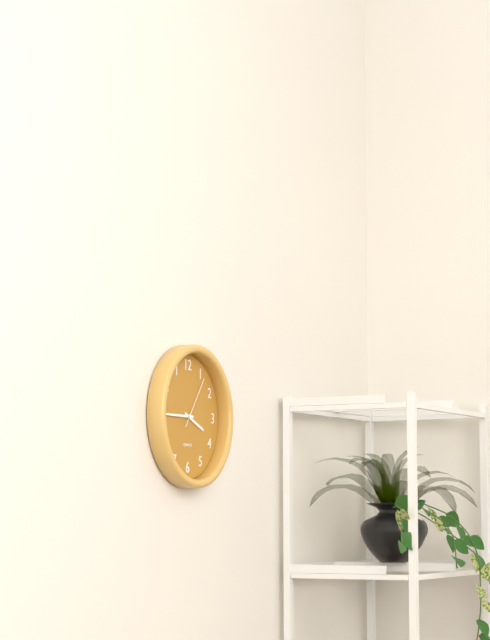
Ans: h=3 m=45 s=6
